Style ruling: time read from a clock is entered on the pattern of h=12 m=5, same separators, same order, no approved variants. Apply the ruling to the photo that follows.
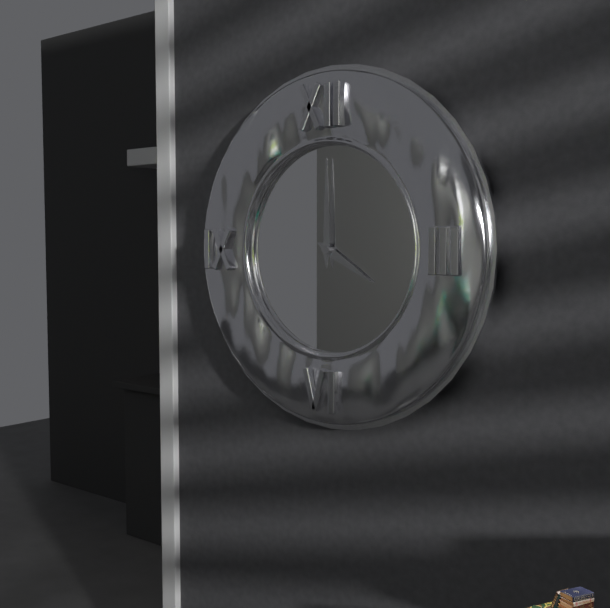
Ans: h=4 m=0
